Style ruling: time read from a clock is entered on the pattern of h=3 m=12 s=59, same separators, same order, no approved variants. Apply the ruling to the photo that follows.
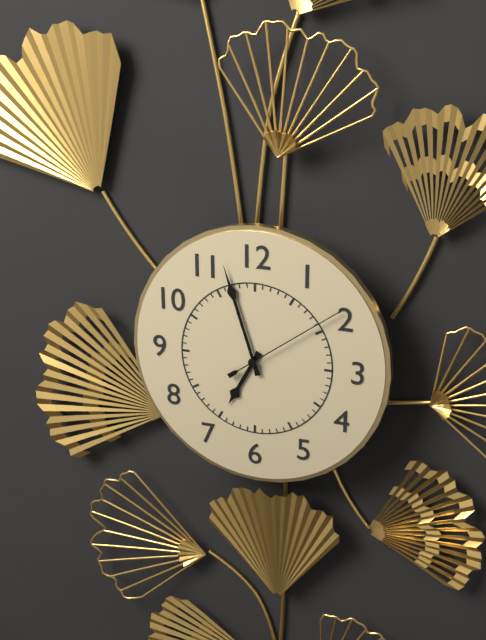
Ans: h=6 m=57 s=9
